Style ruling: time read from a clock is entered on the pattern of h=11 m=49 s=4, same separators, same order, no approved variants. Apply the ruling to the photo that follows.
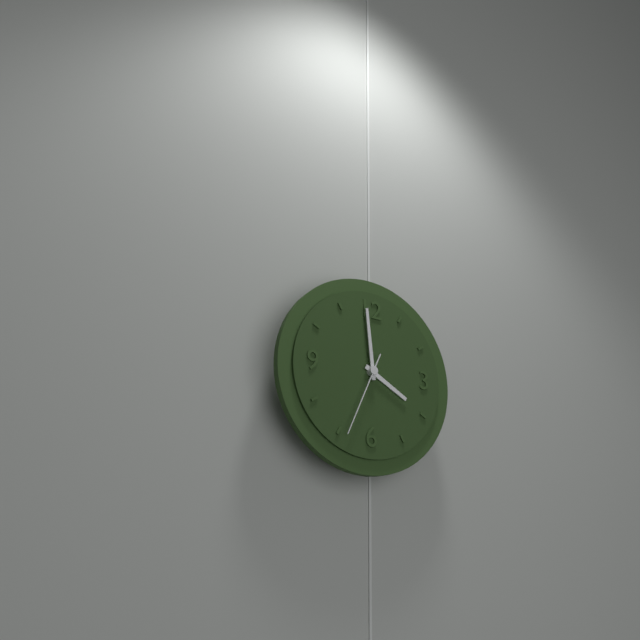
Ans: h=3 m=59 s=34
